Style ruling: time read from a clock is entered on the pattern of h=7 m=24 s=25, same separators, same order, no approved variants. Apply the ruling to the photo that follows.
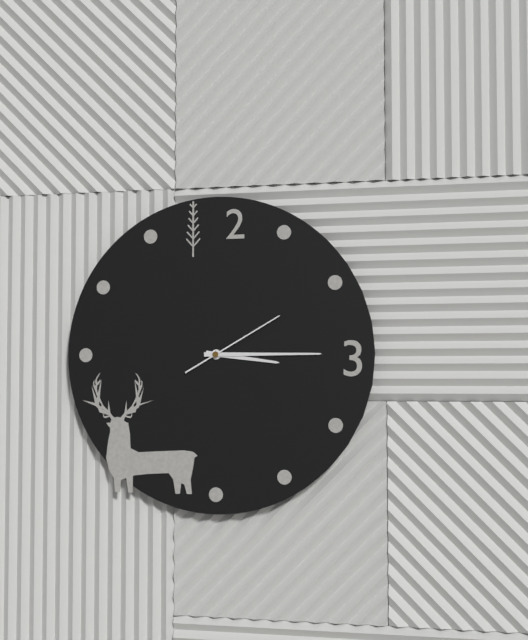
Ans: h=3 m=15 s=10
